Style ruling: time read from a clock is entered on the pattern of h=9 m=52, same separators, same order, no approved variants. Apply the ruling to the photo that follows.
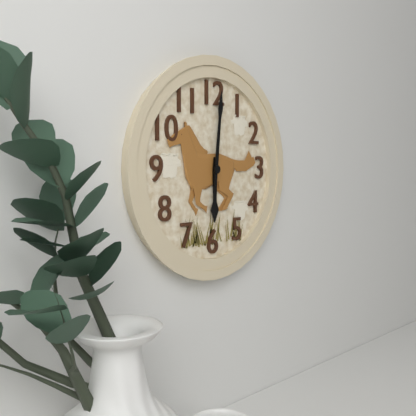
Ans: h=6 m=1
